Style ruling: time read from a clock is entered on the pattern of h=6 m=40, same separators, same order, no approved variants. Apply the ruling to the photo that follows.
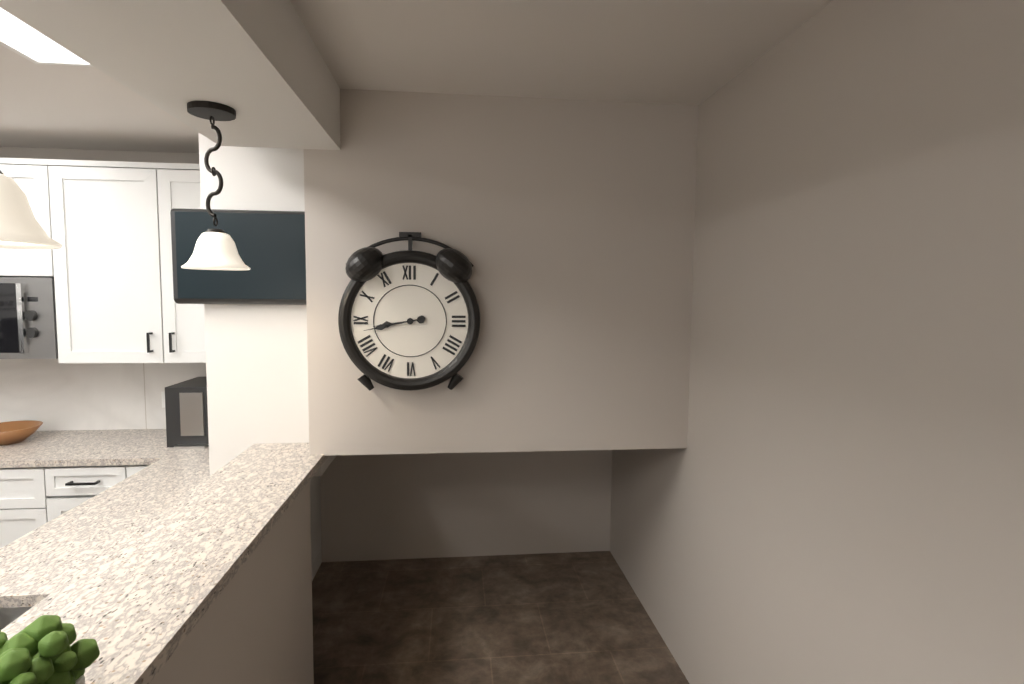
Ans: h=8 m=43
